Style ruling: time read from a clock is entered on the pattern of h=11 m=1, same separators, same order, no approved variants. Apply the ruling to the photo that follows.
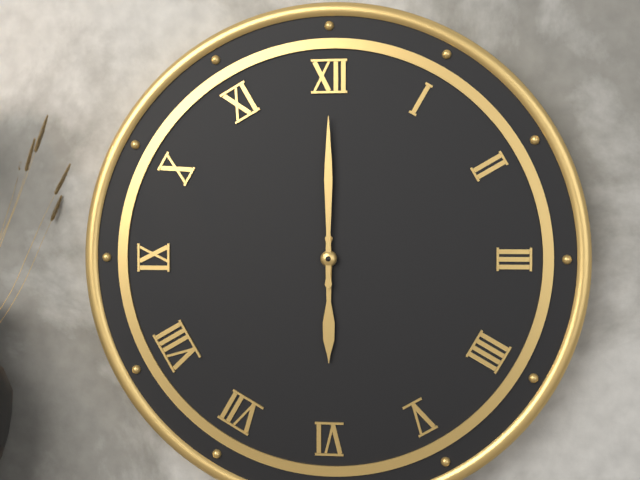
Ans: h=6 m=0
